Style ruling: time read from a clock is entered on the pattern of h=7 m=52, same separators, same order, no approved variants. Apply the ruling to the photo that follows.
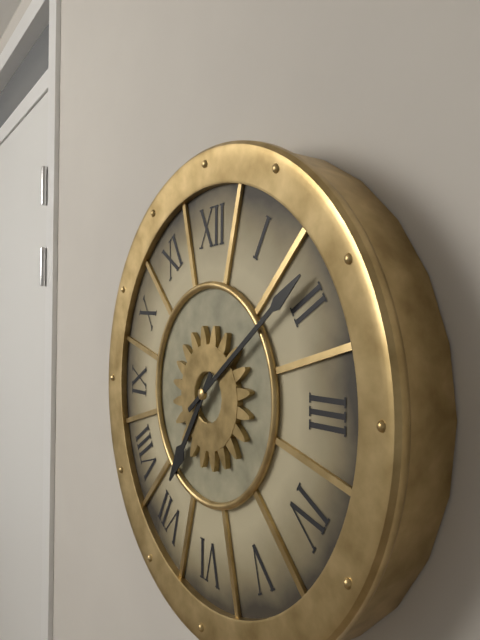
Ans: h=7 m=9
